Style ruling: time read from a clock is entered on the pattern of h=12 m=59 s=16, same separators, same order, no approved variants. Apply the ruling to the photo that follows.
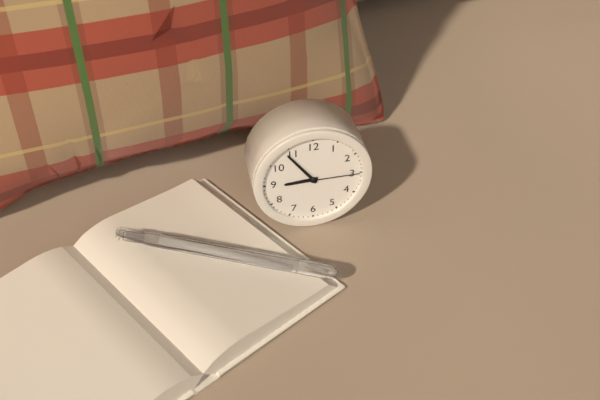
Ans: h=8 m=54 s=15
